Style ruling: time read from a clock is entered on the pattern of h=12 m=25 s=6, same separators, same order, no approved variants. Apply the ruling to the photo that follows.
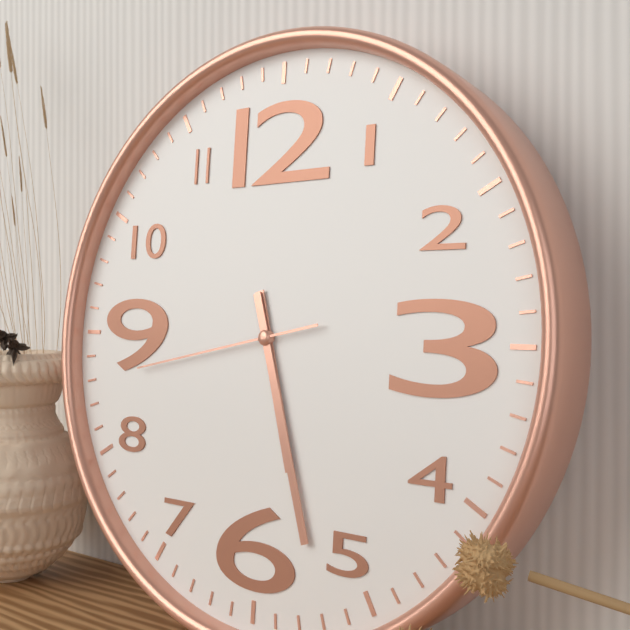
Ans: h=5 m=27 s=43
